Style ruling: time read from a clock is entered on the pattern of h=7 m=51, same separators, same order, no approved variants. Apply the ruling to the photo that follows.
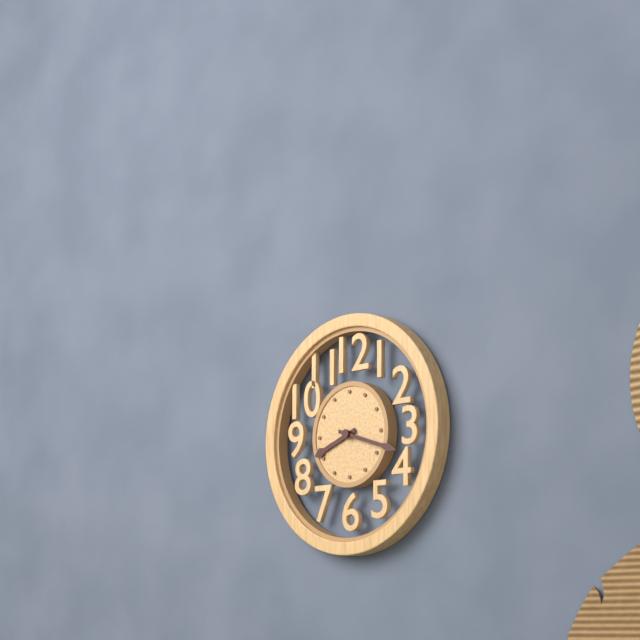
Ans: h=8 m=18
